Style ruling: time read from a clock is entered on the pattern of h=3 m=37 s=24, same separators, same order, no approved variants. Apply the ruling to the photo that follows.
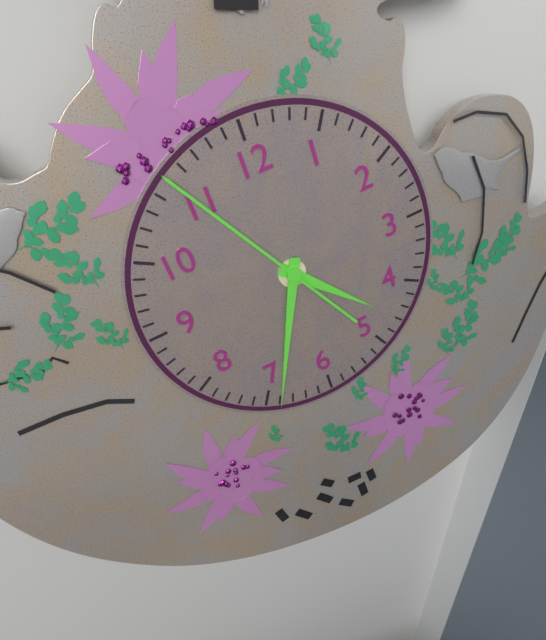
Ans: h=4 m=34 s=55
